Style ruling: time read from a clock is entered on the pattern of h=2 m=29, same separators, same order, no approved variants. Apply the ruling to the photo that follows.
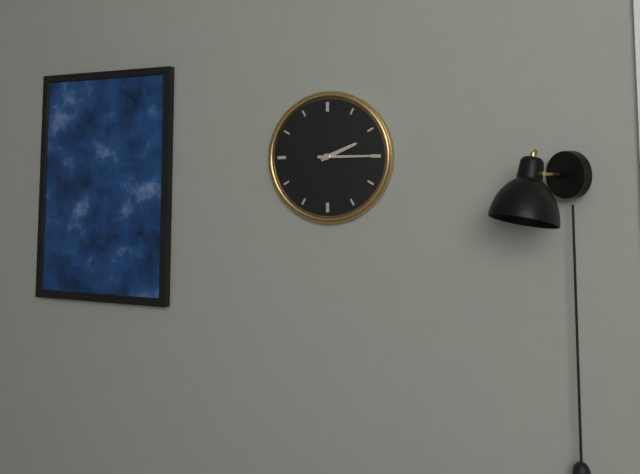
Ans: h=2 m=15
